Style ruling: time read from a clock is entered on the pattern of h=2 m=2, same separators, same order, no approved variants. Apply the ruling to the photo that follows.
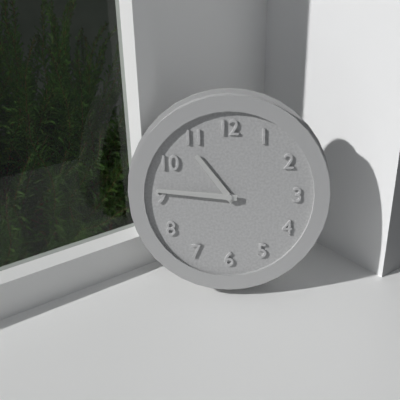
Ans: h=10 m=46
